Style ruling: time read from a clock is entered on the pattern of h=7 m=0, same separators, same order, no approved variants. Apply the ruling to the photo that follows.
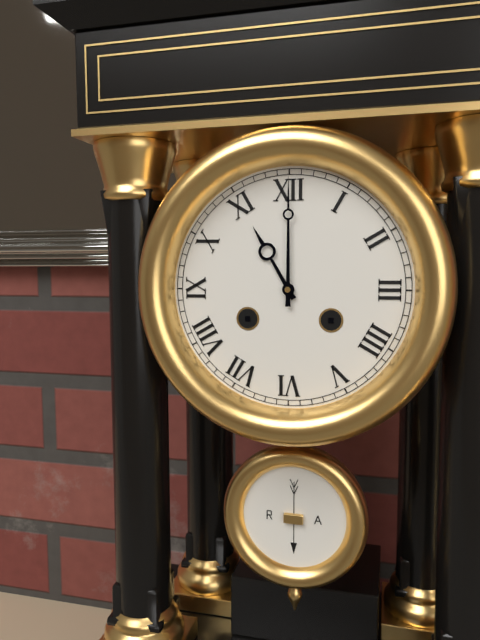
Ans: h=11 m=0
